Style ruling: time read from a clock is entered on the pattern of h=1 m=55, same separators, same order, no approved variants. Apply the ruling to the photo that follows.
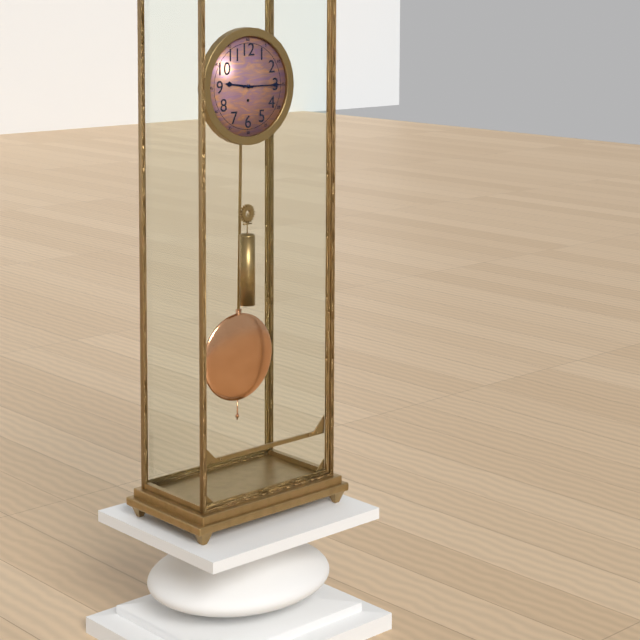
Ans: h=9 m=15
